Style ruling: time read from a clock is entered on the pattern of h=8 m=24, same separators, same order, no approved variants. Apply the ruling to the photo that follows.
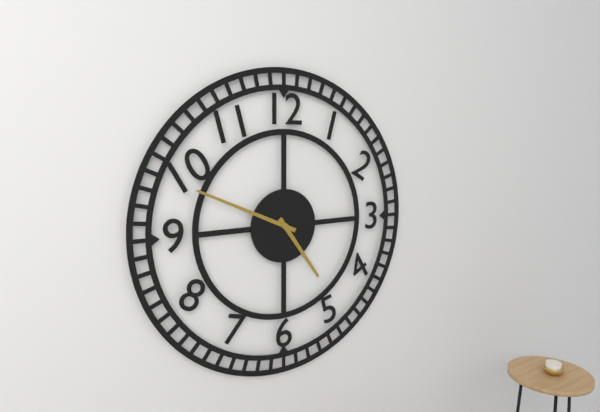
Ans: h=4 m=49
